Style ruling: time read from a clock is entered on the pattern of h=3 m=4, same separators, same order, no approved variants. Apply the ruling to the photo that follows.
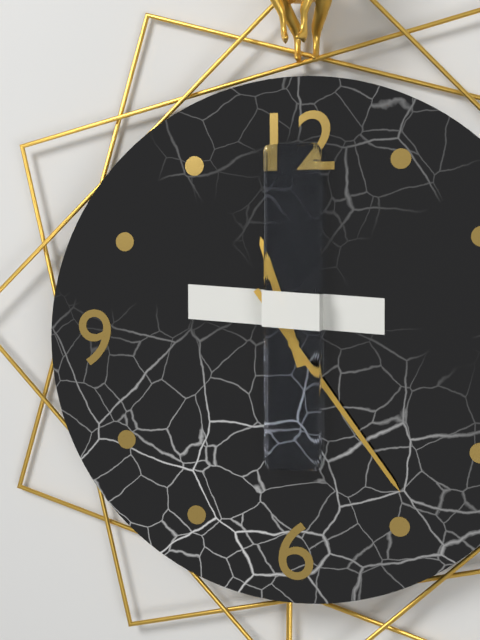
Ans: h=11 m=24
